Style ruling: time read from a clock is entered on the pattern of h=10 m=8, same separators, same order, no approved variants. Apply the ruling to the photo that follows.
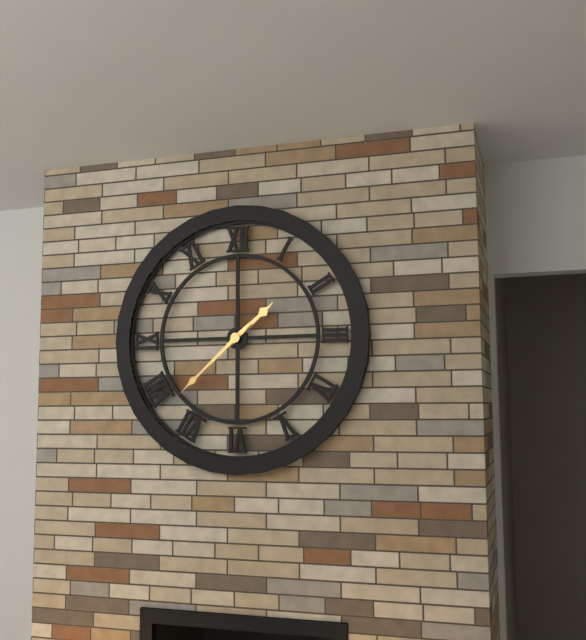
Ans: h=1 m=38
